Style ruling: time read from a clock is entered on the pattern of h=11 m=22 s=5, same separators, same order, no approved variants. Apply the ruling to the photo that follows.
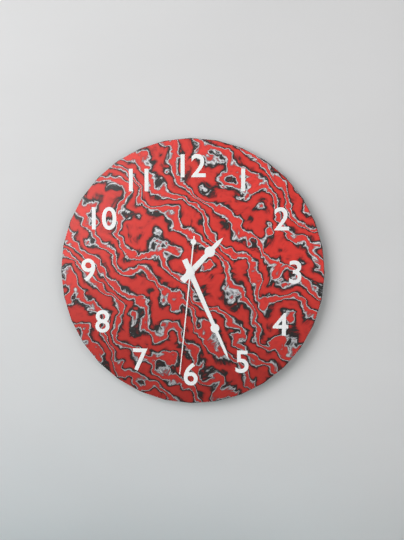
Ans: h=1 m=26 s=31
